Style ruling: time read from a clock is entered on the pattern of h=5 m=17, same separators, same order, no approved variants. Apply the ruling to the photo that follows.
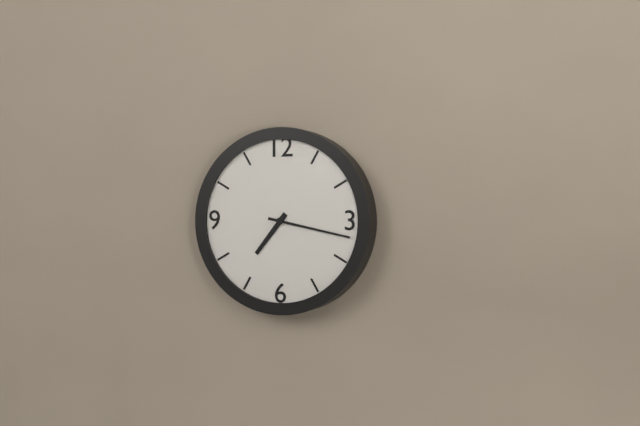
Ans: h=7 m=17
